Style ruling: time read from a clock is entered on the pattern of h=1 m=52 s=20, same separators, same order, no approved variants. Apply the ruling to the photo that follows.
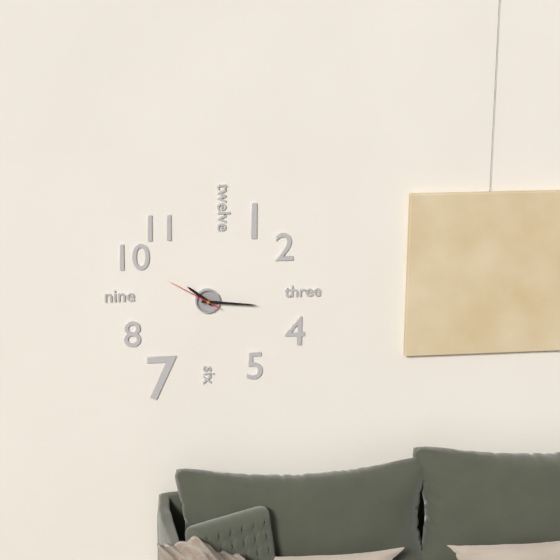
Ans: h=10 m=16 s=50
